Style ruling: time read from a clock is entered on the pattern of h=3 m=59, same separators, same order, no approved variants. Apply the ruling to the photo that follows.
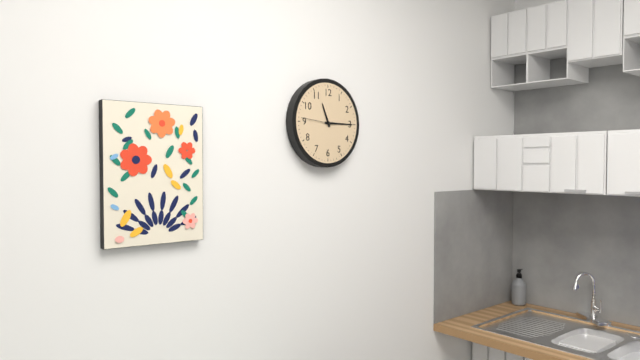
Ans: h=11 m=15
